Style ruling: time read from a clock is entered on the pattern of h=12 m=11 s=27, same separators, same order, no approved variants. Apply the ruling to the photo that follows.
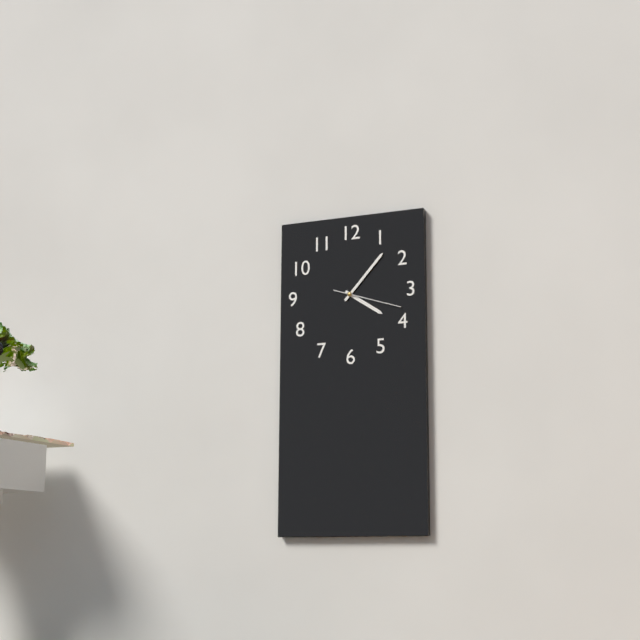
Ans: h=4 m=7 s=18
